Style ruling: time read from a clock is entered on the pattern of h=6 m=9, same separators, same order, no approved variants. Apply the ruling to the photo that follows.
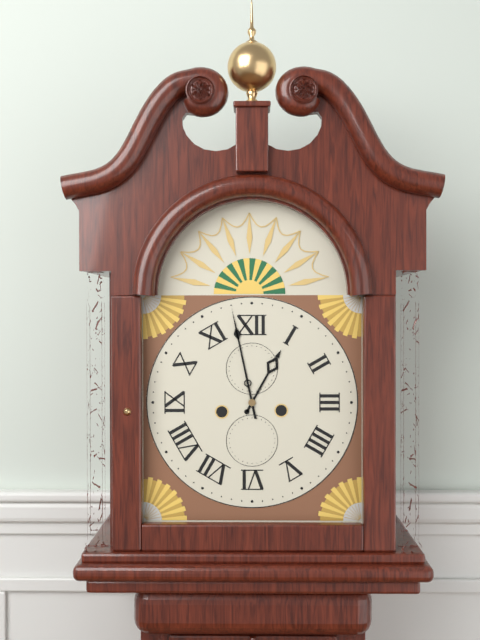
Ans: h=12 m=58
